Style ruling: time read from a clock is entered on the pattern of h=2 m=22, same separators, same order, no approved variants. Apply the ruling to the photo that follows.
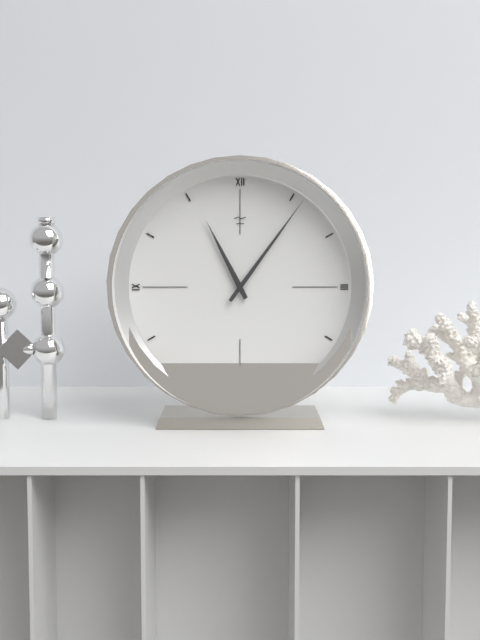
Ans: h=11 m=6
